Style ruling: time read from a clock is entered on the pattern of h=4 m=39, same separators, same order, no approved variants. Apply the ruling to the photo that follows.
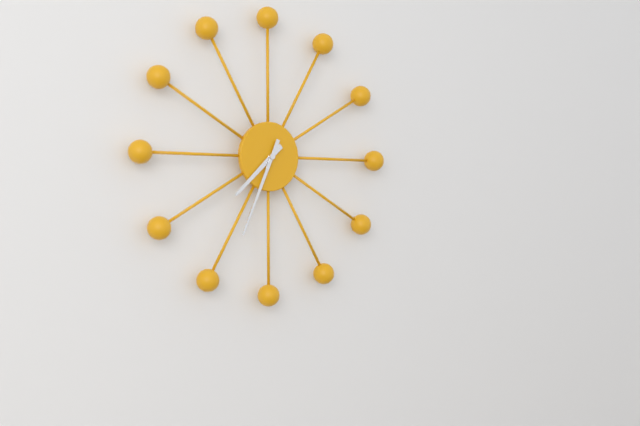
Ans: h=7 m=34
